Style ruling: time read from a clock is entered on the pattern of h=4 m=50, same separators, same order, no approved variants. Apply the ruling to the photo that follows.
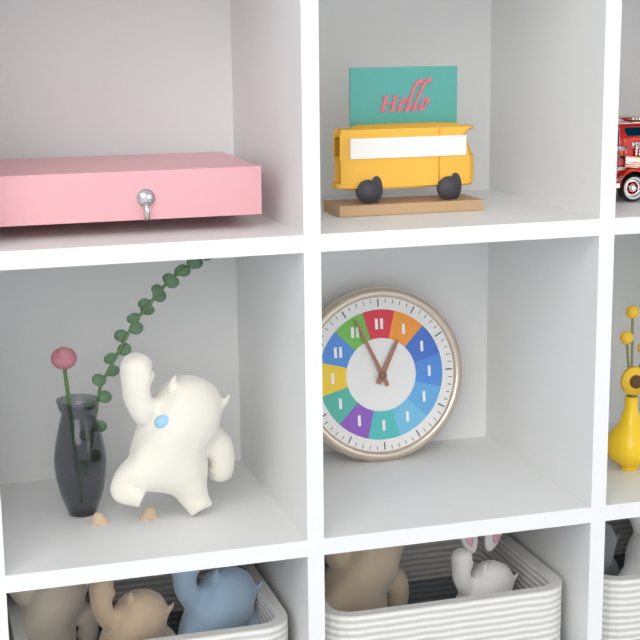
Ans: h=12 m=56
